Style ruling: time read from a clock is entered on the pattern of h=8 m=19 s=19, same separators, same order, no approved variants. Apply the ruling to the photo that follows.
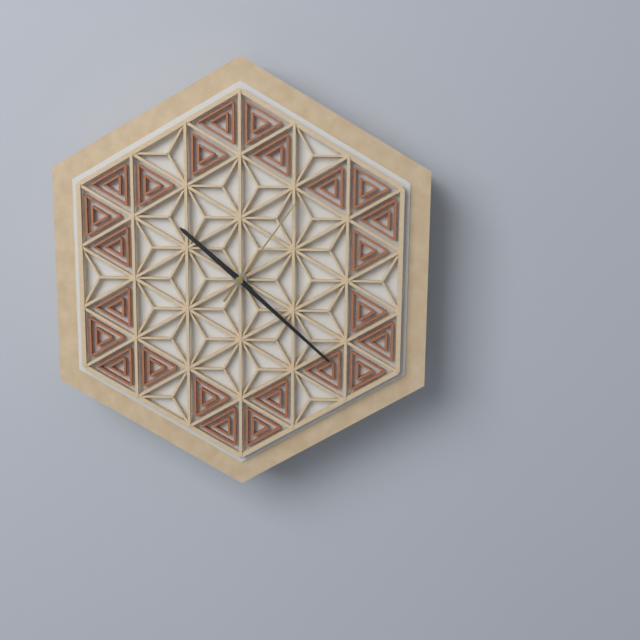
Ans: h=10 m=22 s=6
